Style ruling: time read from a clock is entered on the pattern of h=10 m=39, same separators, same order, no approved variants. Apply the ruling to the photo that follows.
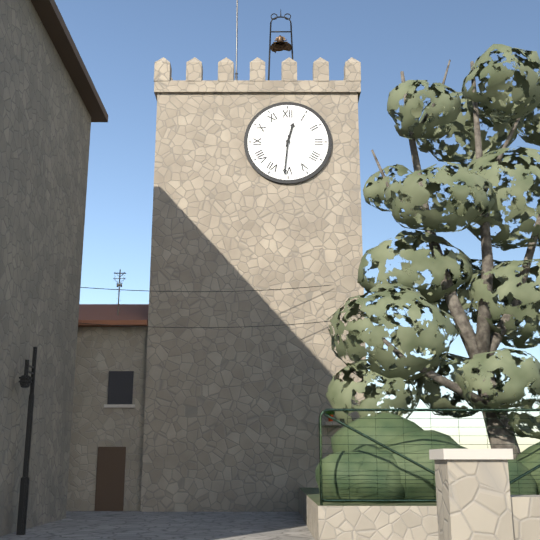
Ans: h=12 m=31
